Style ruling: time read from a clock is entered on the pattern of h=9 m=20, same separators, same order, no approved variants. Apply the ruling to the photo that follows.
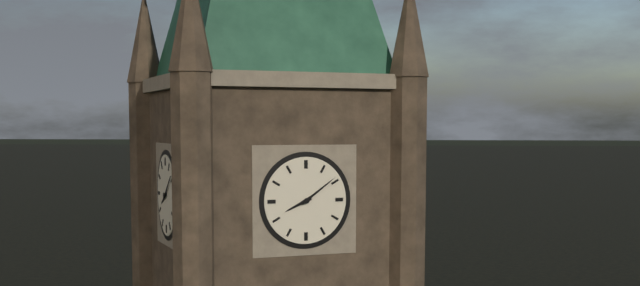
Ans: h=8 m=9
